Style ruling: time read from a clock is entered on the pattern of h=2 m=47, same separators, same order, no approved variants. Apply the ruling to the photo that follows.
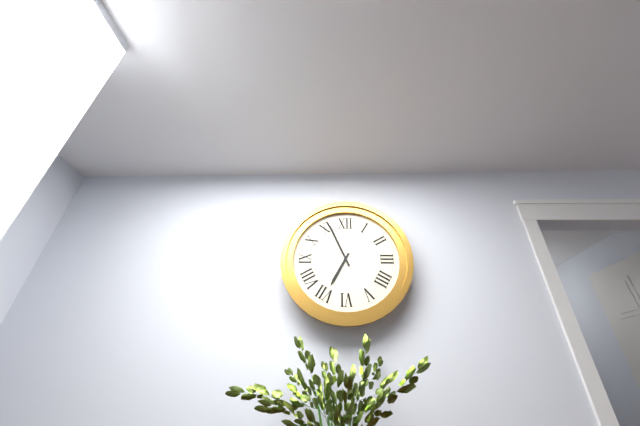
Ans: h=6 m=56
